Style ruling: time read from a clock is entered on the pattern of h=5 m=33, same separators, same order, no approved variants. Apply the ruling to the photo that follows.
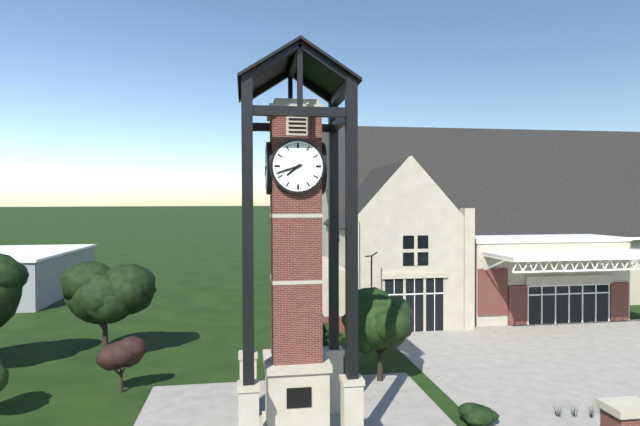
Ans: h=7 m=42
